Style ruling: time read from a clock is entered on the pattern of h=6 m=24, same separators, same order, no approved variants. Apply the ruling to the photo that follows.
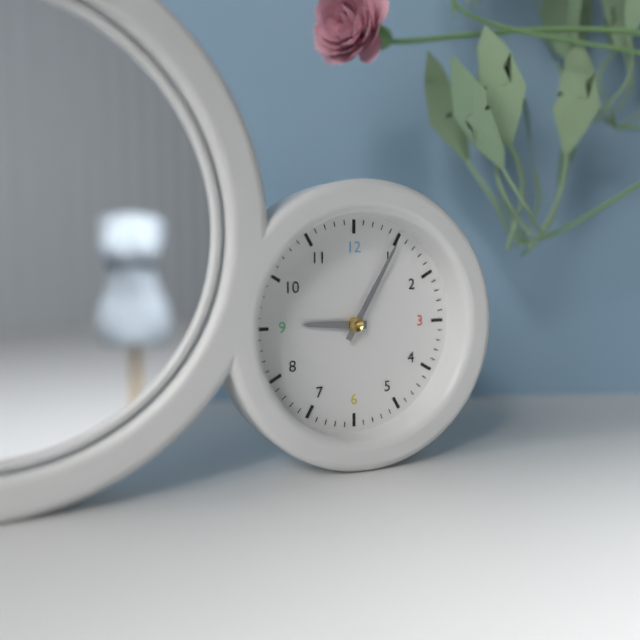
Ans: h=9 m=5
